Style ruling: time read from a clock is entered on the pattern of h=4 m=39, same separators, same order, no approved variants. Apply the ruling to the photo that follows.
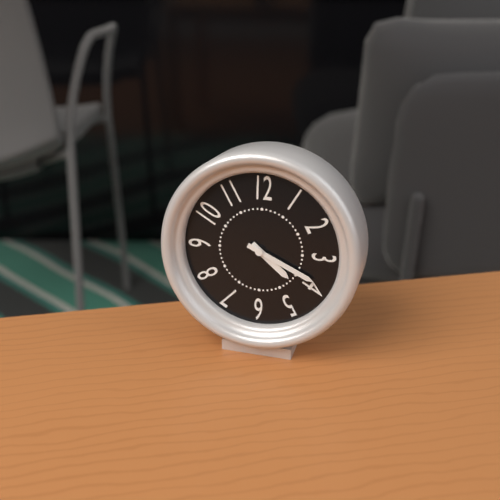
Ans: h=4 m=19
